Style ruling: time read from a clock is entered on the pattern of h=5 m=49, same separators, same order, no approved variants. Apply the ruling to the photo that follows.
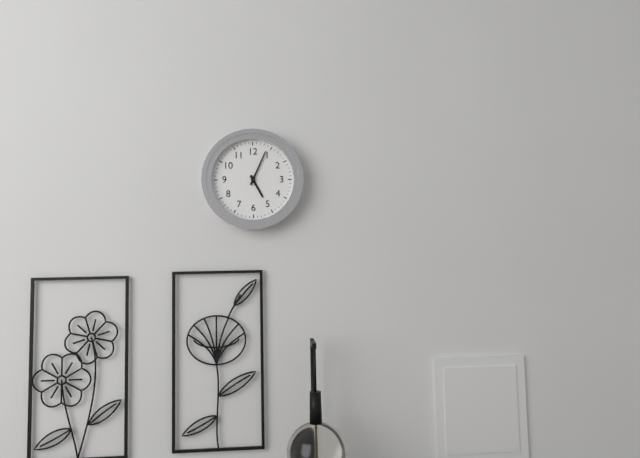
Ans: h=5 m=4
